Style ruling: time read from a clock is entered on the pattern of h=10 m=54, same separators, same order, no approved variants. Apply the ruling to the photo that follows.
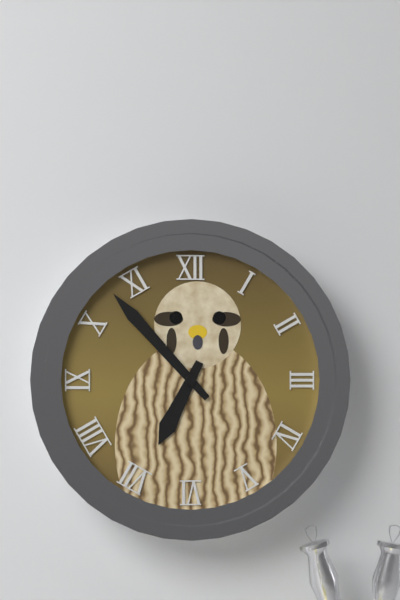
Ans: h=6 m=53
